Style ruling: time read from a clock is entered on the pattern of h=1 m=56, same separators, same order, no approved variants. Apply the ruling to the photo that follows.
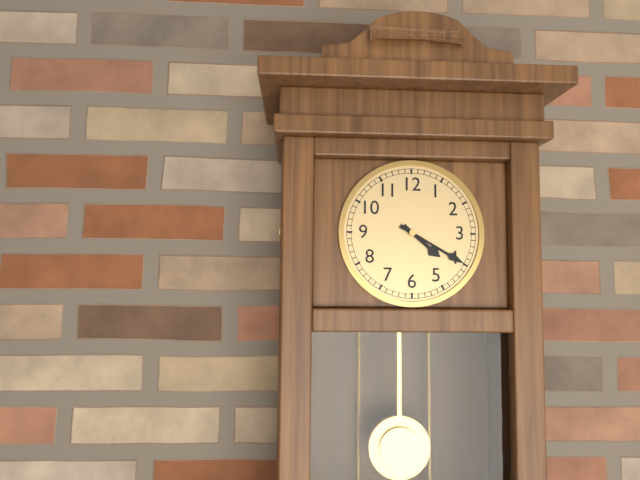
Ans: h=4 m=20
